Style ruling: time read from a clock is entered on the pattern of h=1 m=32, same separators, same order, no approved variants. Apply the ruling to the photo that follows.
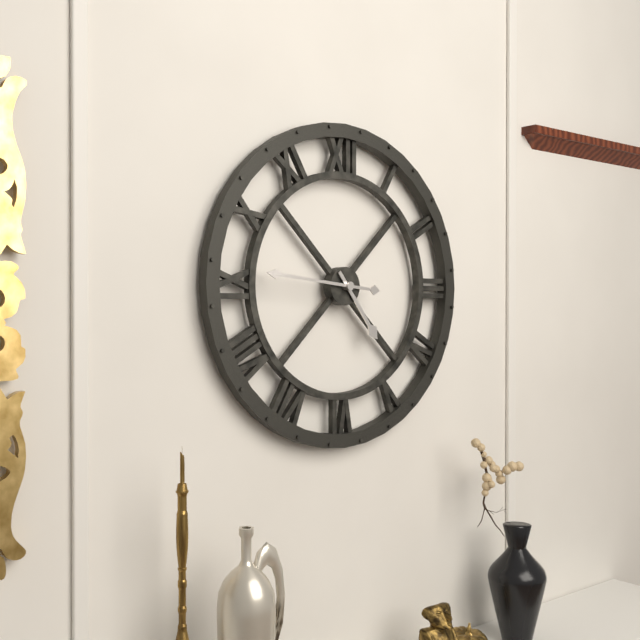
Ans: h=4 m=46
